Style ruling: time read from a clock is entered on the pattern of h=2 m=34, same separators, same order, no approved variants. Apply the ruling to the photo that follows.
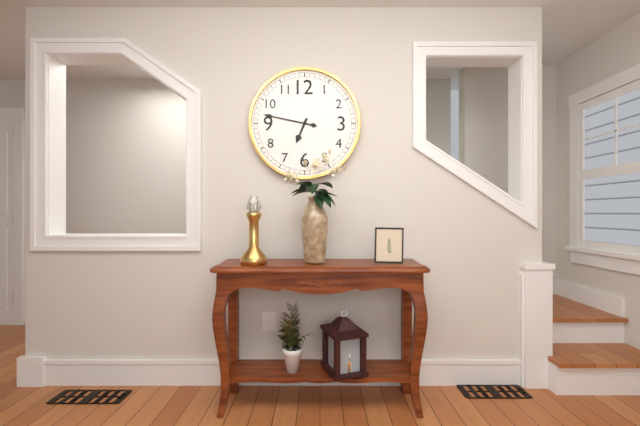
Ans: h=6 m=47
